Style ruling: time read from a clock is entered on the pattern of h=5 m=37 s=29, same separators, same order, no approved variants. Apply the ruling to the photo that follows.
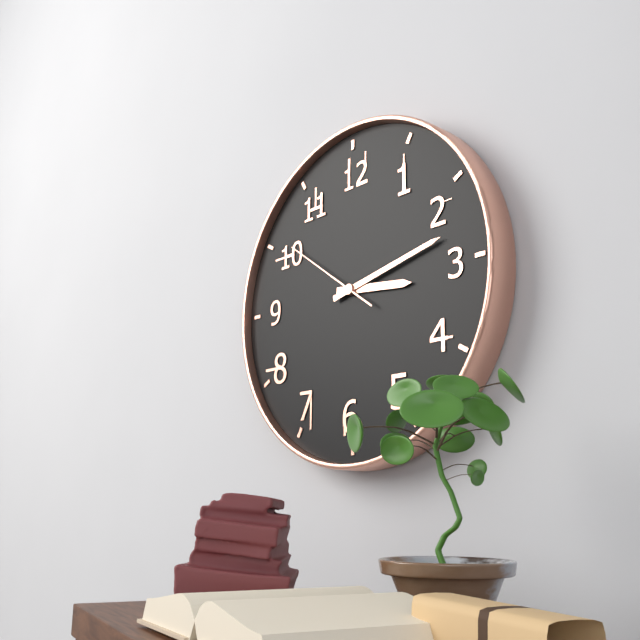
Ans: h=3 m=13 s=51
